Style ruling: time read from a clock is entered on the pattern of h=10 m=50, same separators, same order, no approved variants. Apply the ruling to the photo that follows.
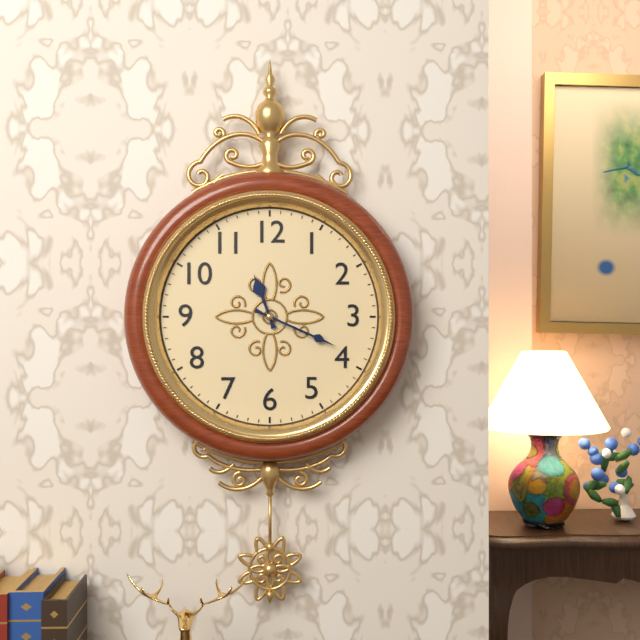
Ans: h=11 m=19
